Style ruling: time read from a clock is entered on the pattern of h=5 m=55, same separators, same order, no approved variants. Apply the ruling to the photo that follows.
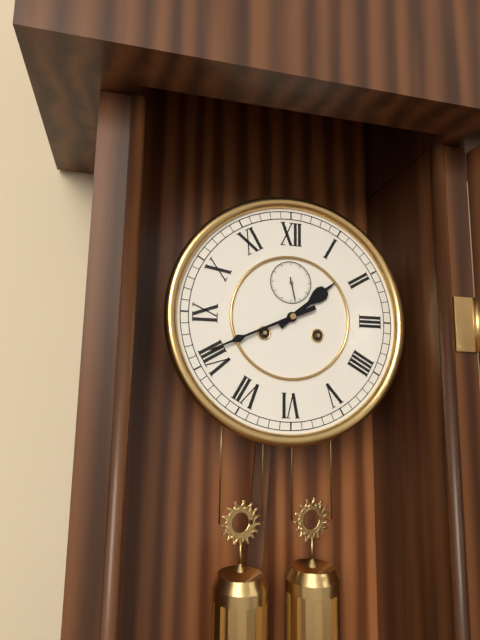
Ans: h=1 m=41
